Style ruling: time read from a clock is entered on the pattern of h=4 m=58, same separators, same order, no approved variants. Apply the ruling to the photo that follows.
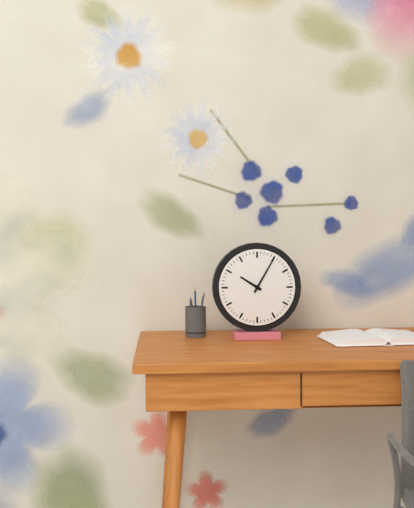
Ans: h=10 m=5
